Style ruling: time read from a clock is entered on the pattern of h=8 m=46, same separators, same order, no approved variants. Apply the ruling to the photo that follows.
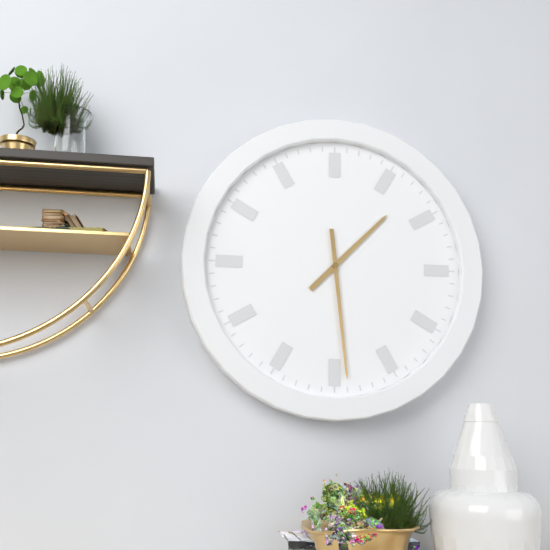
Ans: h=1 m=29
